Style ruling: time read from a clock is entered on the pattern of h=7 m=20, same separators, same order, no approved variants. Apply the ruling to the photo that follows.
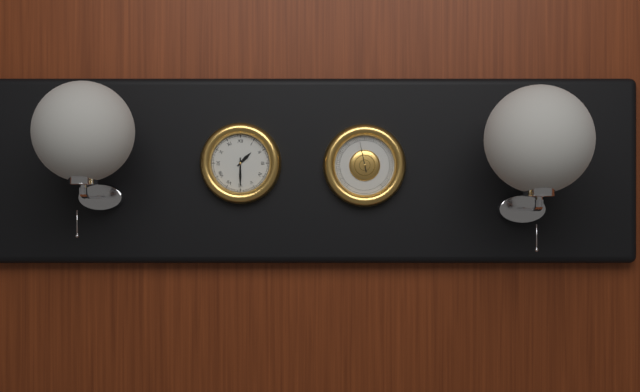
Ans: h=1 m=30
